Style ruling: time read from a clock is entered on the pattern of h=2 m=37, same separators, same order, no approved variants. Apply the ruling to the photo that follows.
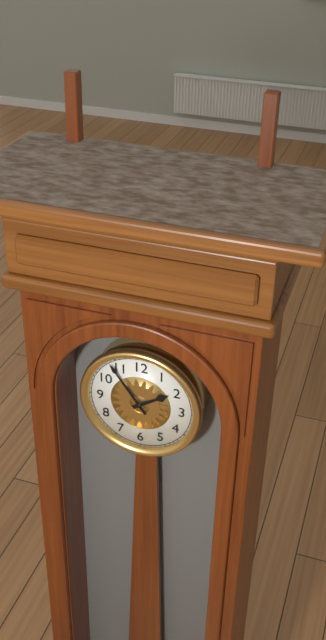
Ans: h=1 m=54
